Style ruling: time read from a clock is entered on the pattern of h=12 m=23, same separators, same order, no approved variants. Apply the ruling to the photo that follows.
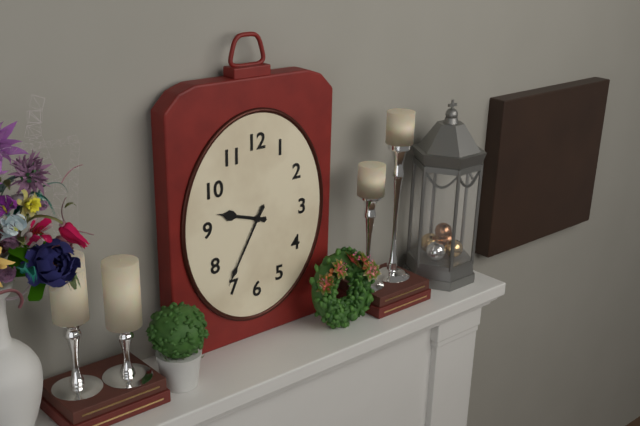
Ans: h=9 m=35
